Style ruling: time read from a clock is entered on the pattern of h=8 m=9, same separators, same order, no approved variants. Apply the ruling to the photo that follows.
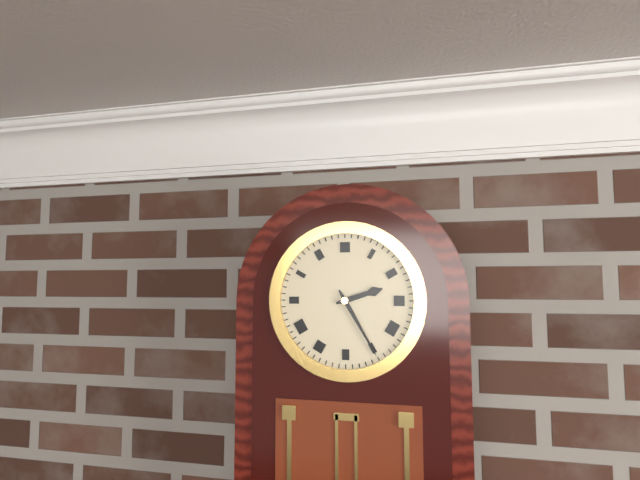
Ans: h=2 m=25
